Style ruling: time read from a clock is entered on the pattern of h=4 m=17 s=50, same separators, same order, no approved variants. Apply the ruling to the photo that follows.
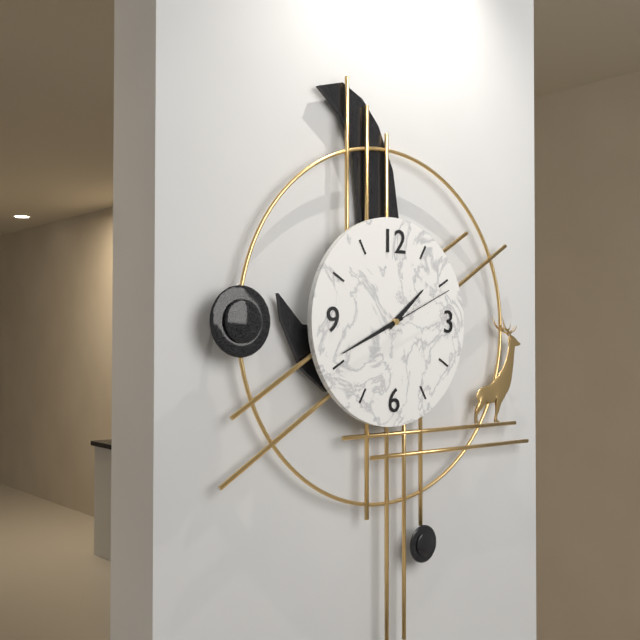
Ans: h=1 m=41 s=11
